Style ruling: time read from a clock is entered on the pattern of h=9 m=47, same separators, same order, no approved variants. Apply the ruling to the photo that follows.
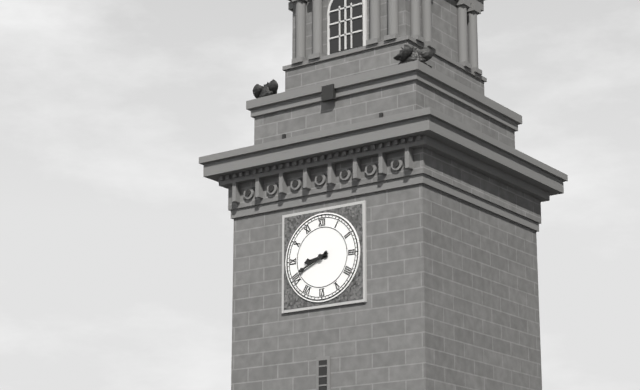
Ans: h=8 m=41
